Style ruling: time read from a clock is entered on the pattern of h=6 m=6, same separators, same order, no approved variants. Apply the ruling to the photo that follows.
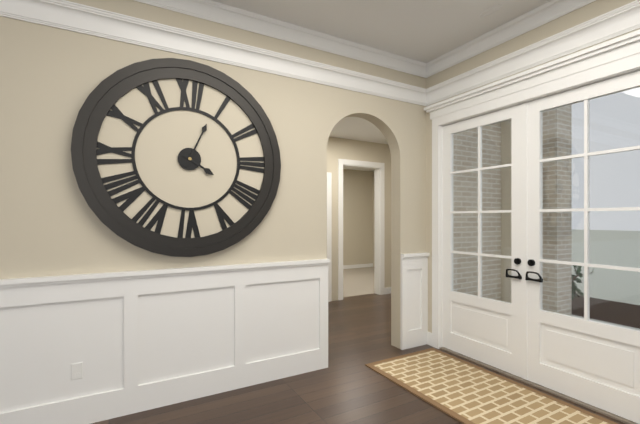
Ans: h=4 m=4
